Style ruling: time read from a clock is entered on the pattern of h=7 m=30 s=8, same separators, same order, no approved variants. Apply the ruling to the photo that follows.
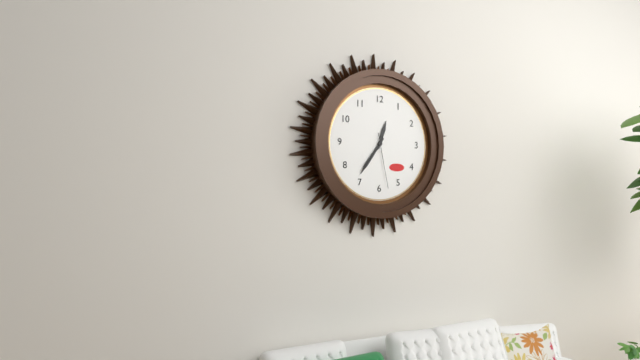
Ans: h=12 m=36 s=28
